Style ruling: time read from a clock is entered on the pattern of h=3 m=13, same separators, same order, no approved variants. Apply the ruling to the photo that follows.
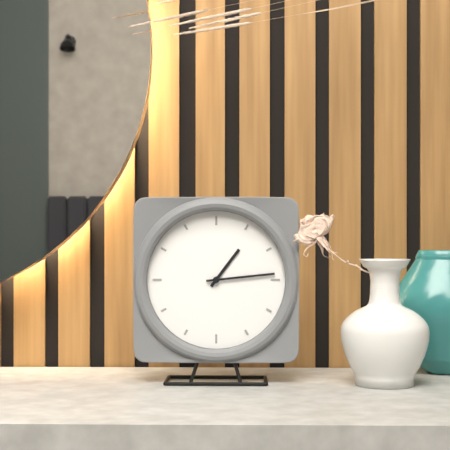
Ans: h=1 m=14
